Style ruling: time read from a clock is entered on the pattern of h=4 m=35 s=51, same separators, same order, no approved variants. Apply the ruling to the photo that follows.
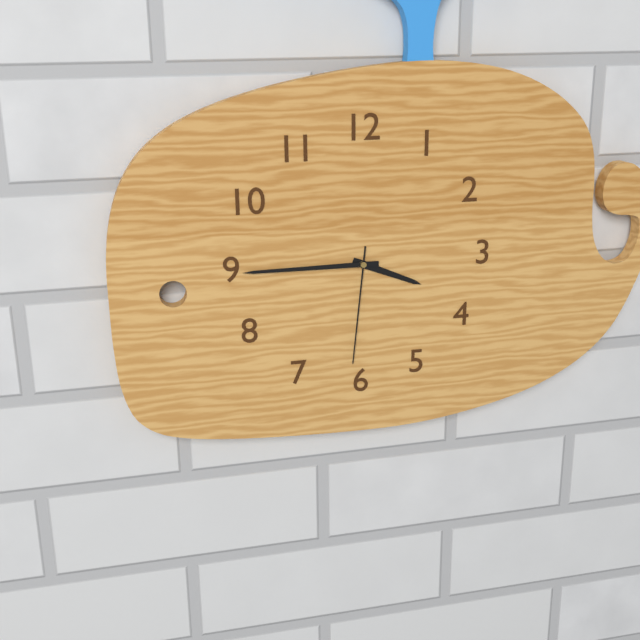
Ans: h=3 m=45 s=31
